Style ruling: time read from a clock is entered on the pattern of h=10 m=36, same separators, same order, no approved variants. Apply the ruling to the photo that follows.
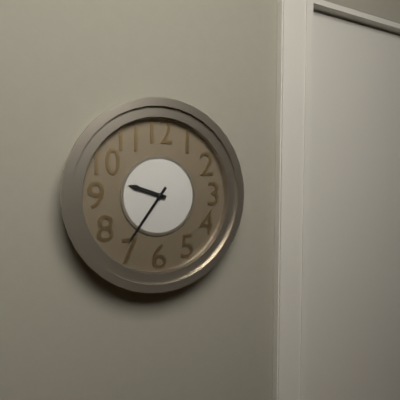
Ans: h=9 m=36
